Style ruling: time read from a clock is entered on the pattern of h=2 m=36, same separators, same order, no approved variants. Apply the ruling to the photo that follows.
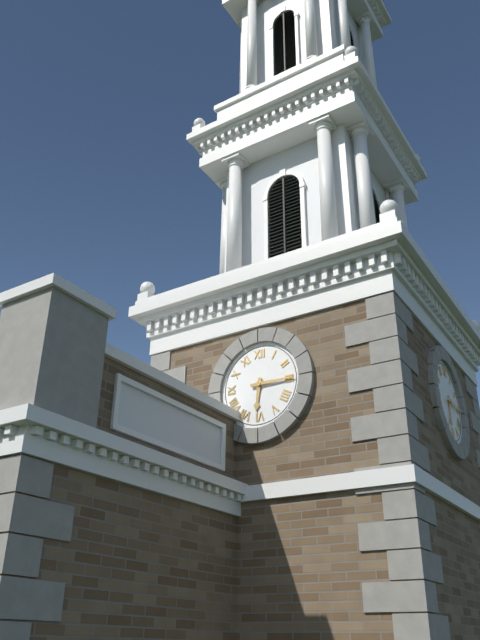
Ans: h=6 m=15
